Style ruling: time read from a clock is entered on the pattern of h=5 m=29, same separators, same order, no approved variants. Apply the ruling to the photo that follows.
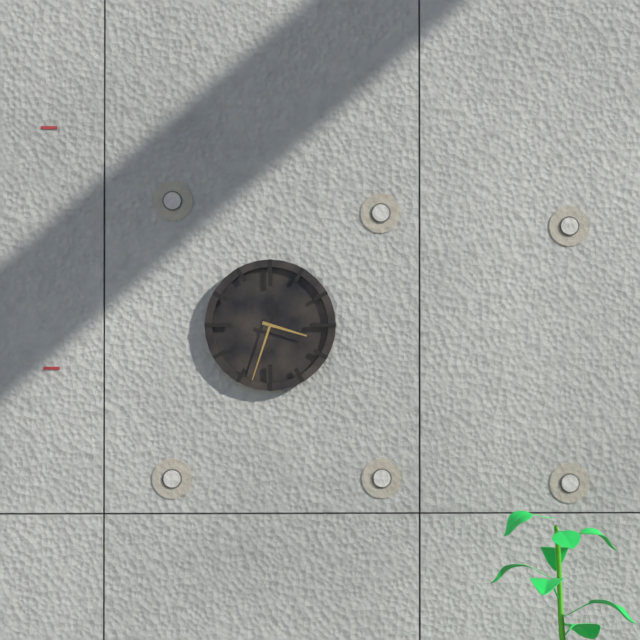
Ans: h=3 m=33
